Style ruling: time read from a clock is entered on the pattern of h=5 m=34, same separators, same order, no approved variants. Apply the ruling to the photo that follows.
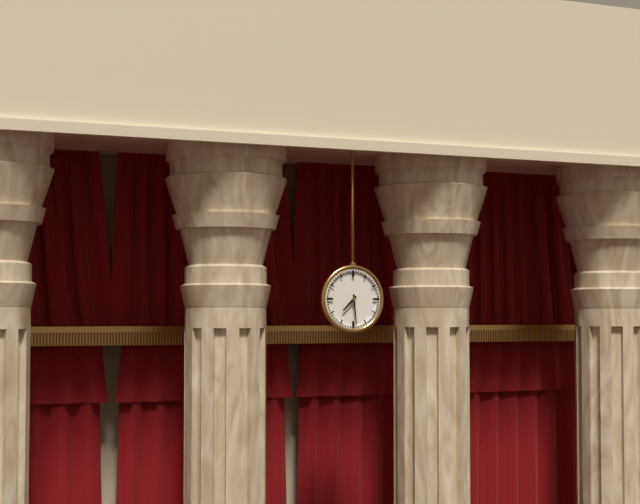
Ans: h=7 m=29
